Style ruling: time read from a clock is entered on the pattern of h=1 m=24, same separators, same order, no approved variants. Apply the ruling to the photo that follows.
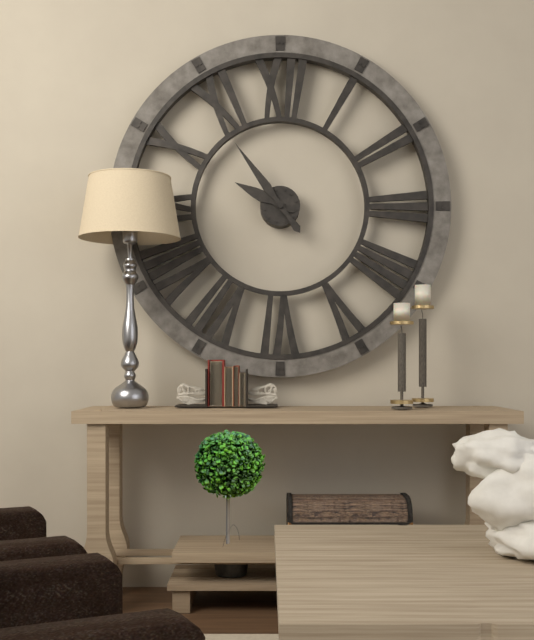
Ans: h=9 m=54
